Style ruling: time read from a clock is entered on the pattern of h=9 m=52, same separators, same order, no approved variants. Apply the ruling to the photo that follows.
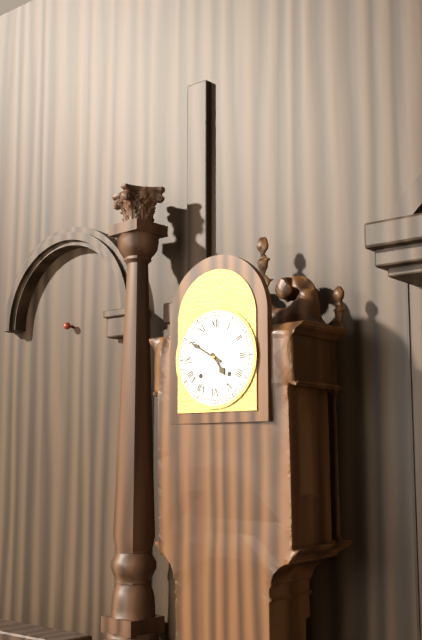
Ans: h=4 m=50
